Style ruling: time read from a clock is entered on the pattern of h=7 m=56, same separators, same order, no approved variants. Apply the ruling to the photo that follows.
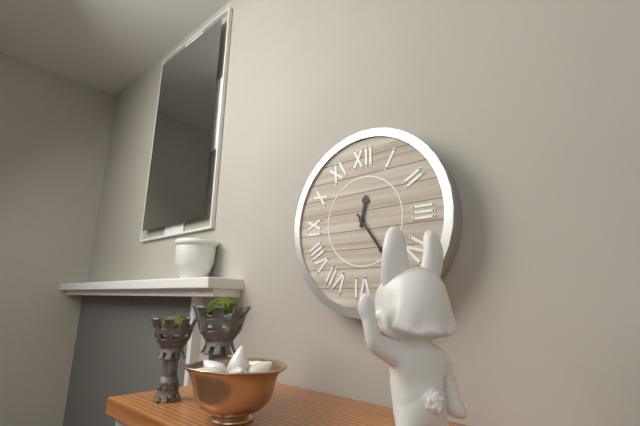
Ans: h=12 m=24
